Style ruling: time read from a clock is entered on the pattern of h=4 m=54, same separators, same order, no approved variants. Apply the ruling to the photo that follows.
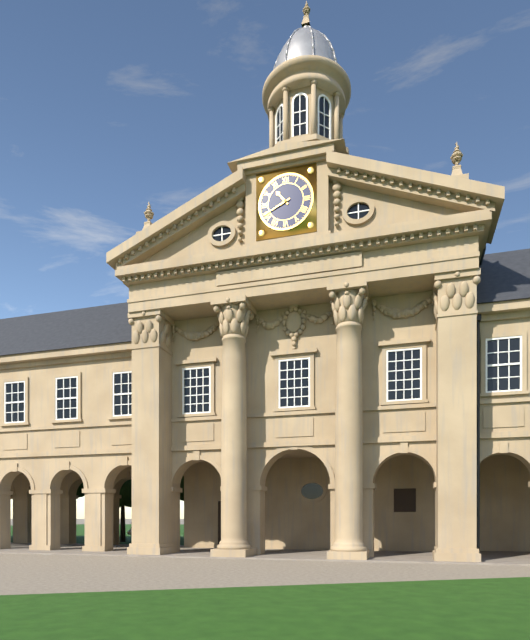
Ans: h=10 m=41
